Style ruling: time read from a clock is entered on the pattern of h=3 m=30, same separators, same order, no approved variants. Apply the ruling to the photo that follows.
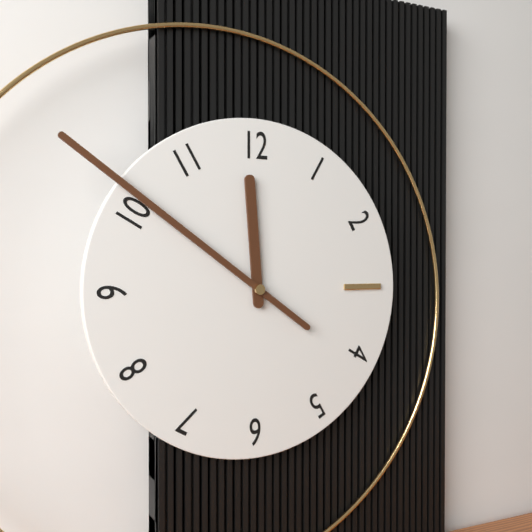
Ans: h=11 m=51
